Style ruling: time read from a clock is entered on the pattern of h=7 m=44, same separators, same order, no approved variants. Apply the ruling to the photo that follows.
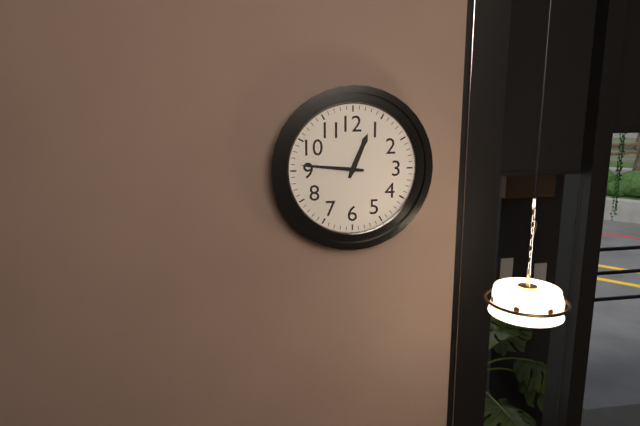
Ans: h=12 m=46
